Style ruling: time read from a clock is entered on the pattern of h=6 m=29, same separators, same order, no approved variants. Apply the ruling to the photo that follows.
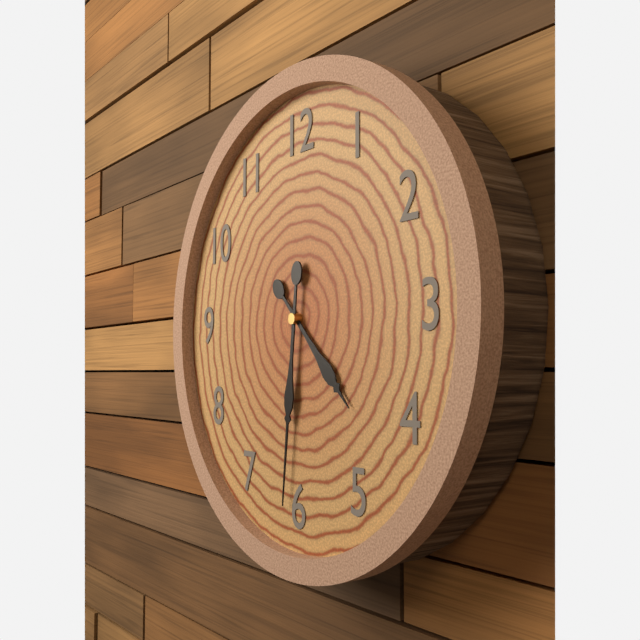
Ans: h=4 m=31
